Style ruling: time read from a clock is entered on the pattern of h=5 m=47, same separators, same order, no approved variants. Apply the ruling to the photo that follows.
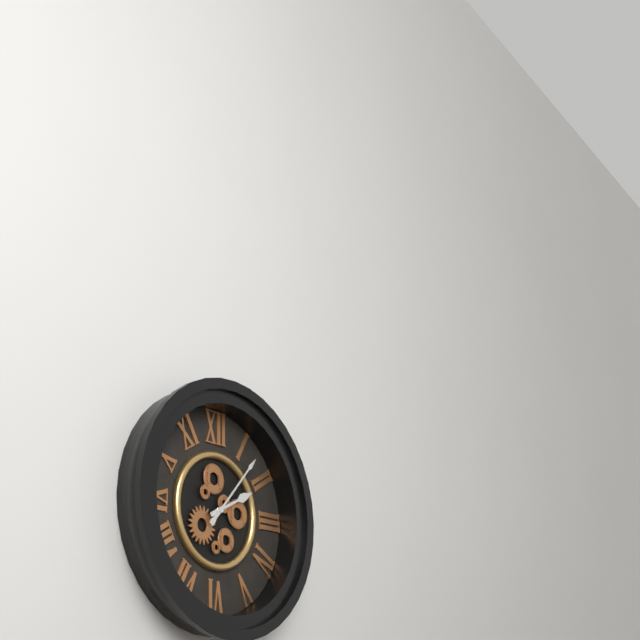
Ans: h=2 m=7
